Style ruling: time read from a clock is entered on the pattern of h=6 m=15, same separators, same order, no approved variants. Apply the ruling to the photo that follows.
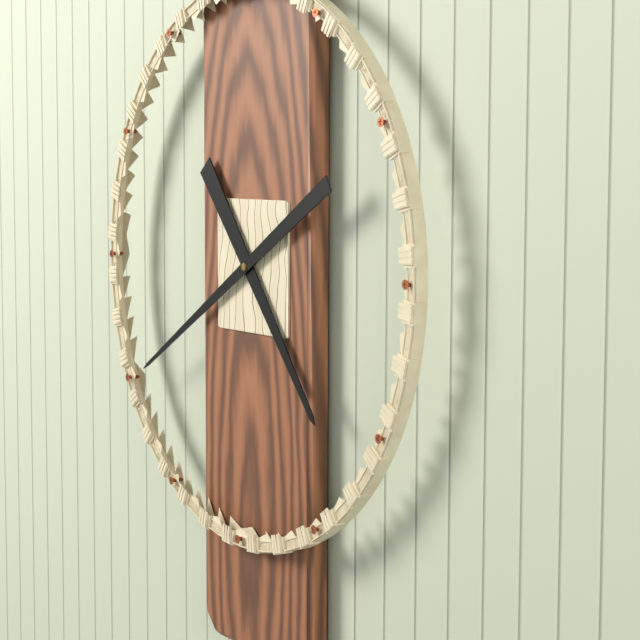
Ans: h=4 m=40
